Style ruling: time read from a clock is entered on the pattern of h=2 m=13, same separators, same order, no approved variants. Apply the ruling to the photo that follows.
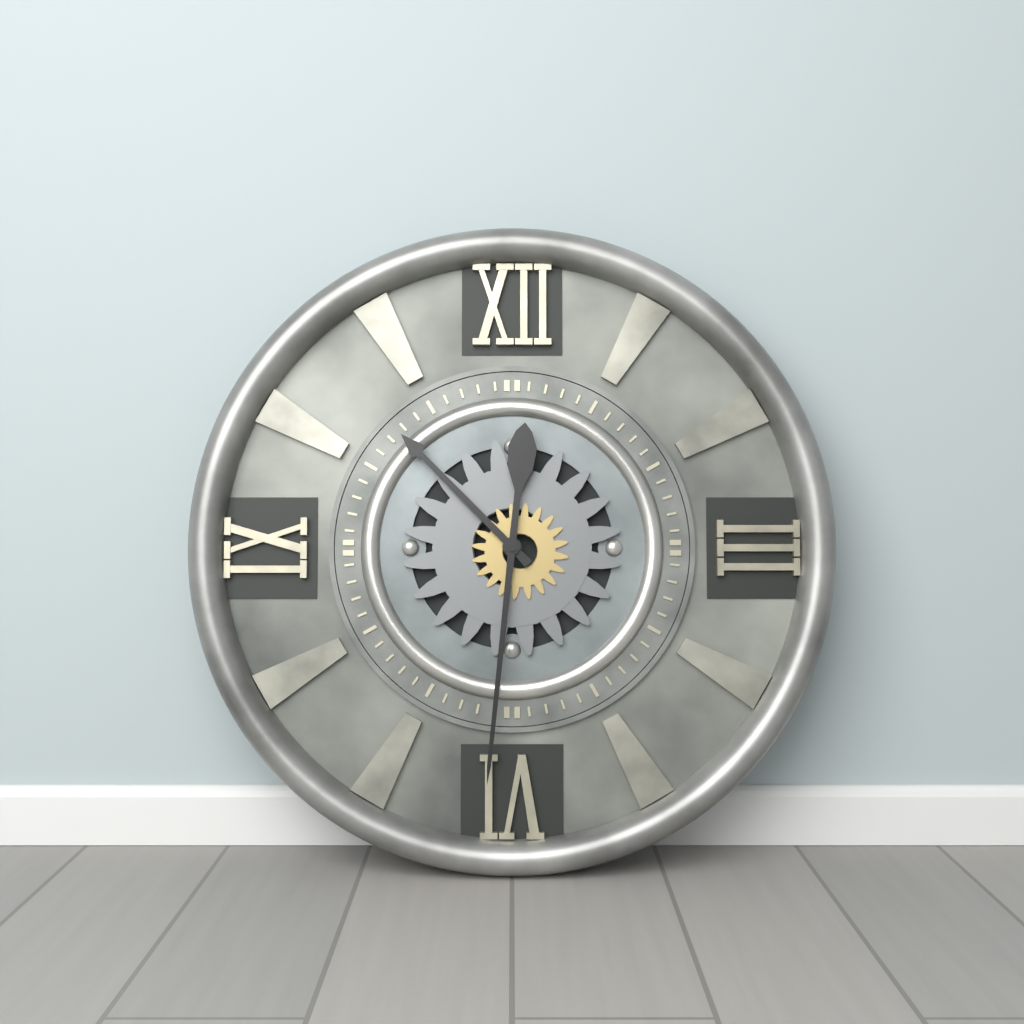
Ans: h=10 m=31
